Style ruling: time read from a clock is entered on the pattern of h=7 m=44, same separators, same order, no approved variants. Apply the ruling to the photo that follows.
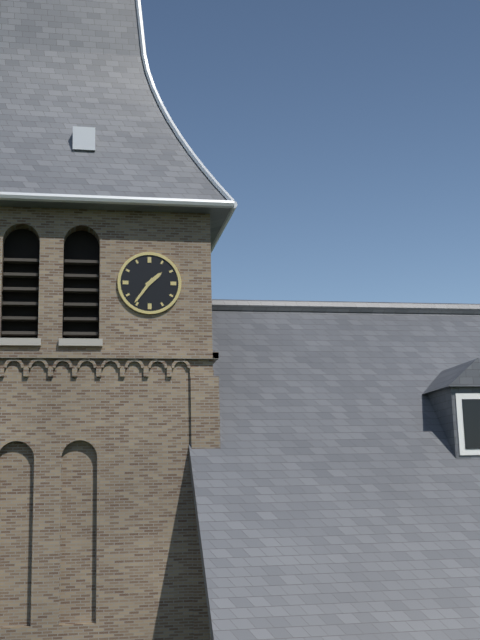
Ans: h=1 m=36
